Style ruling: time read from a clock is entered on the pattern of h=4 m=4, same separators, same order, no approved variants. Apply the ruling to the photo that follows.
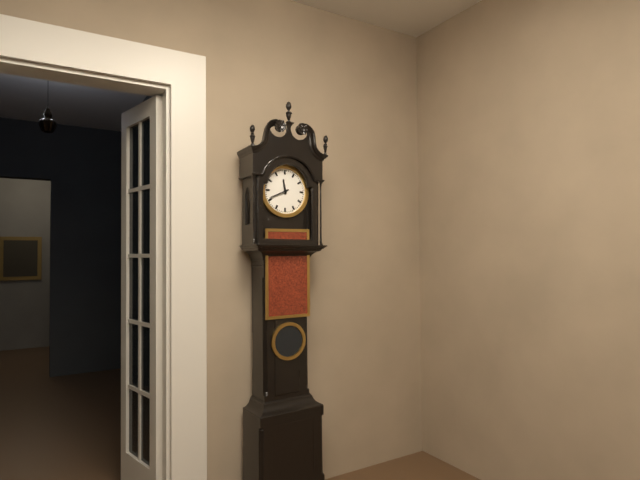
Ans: h=11 m=41
